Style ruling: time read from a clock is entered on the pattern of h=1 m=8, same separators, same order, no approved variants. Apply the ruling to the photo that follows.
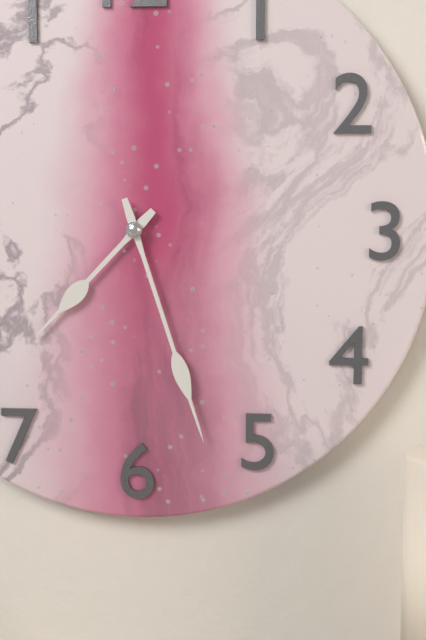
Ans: h=7 m=27
